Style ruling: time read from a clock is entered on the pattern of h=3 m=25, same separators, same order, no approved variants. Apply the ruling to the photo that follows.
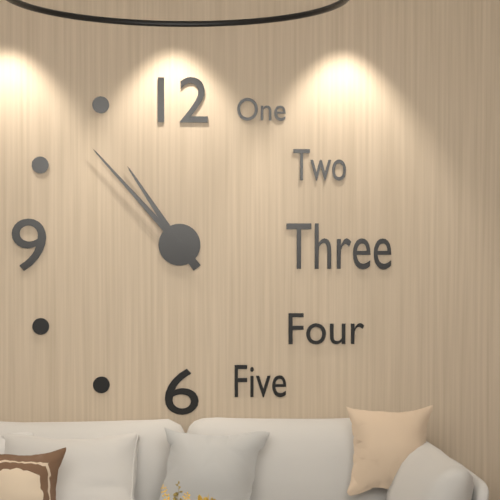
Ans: h=10 m=53
